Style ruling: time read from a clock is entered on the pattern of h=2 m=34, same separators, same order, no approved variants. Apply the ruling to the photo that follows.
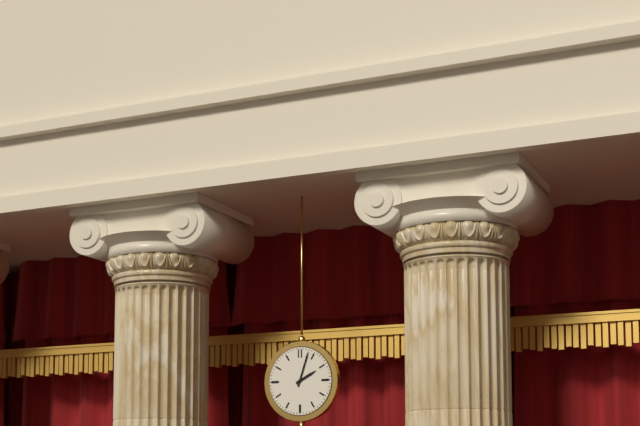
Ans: h=2 m=3
